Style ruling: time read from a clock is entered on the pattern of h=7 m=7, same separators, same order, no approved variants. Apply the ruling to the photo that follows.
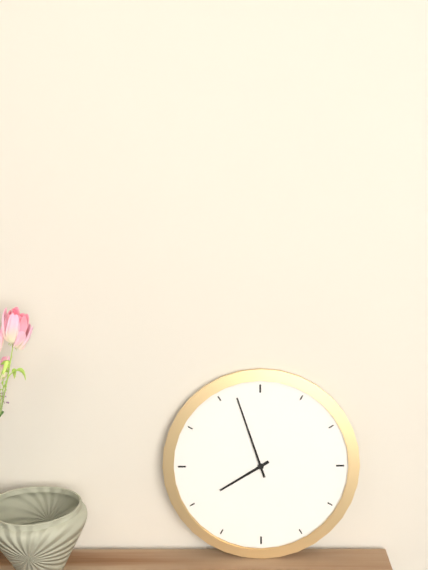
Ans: h=7 m=57
